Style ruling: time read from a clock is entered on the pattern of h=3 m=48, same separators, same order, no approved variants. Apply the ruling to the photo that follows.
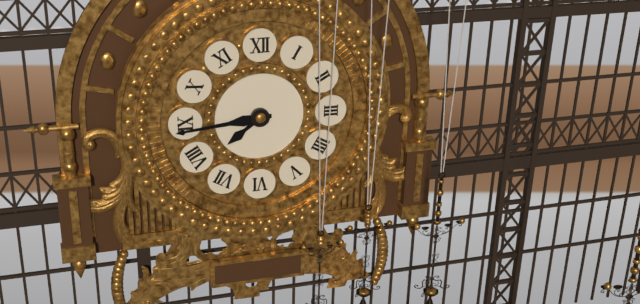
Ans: h=7 m=44
